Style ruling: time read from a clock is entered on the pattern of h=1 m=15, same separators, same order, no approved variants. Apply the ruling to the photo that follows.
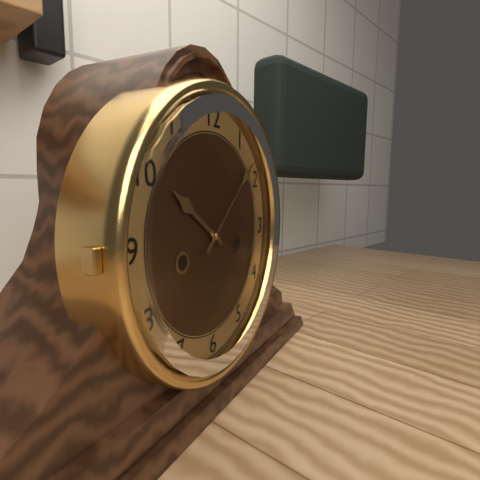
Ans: h=10 m=8
